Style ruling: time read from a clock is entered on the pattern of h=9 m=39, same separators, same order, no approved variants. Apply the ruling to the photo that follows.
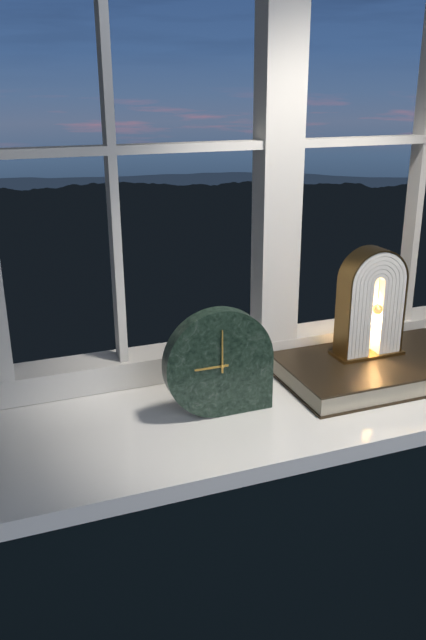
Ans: h=9 m=0
